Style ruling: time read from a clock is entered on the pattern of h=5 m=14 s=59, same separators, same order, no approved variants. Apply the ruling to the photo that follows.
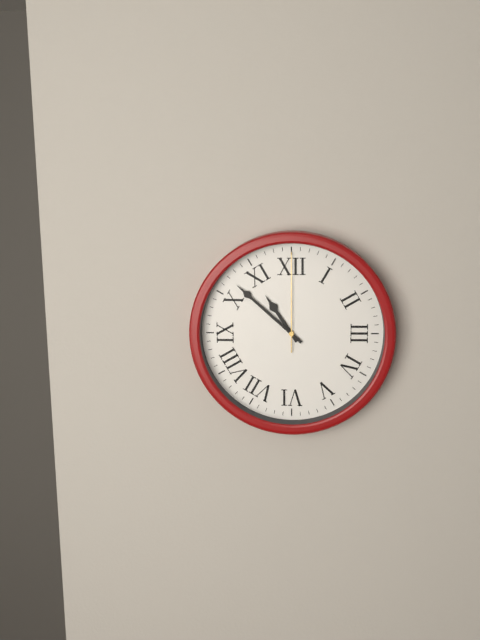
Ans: h=10 m=52 s=0
